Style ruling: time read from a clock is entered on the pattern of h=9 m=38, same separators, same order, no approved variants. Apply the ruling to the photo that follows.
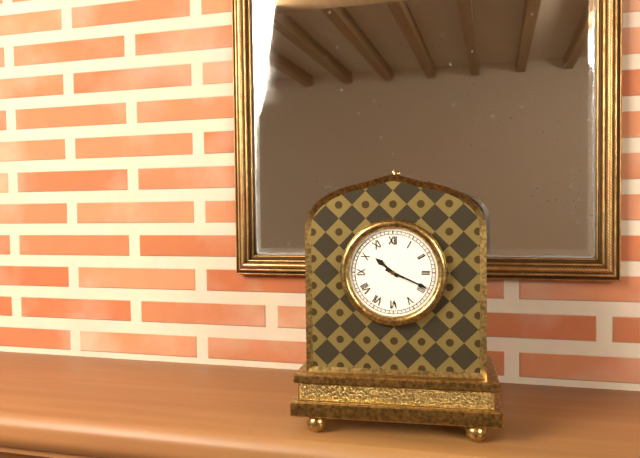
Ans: h=10 m=19
